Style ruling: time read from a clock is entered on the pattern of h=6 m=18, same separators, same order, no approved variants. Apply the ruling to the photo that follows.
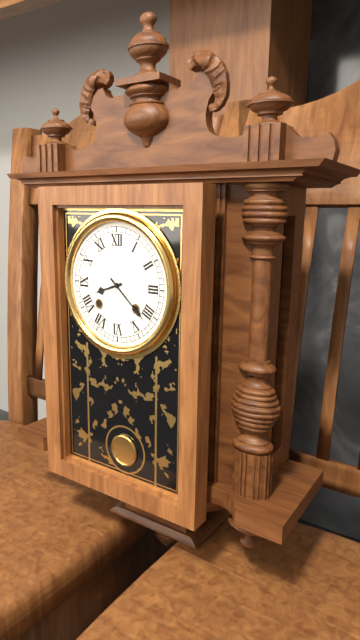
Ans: h=8 m=22
